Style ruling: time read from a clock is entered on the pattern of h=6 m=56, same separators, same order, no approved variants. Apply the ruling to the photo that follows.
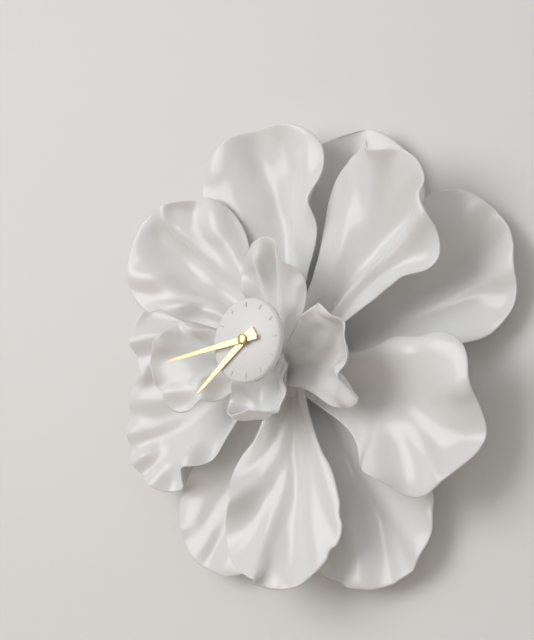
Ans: h=7 m=44
